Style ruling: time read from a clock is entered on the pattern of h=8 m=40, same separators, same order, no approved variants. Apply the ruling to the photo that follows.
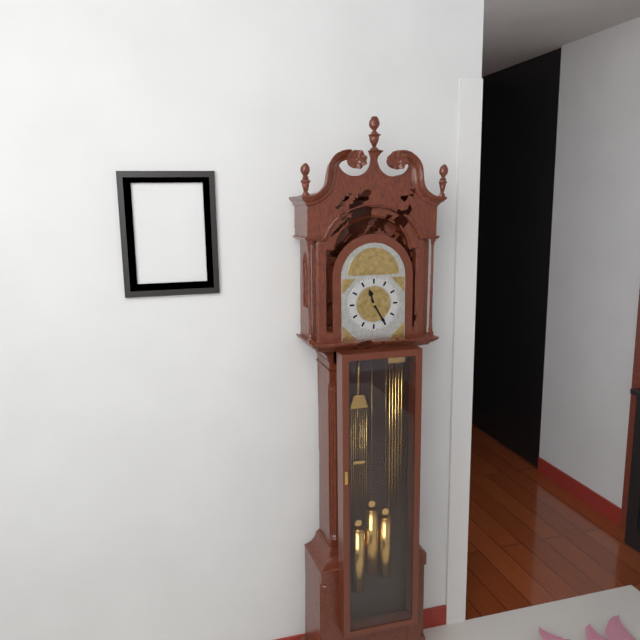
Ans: h=11 m=25
